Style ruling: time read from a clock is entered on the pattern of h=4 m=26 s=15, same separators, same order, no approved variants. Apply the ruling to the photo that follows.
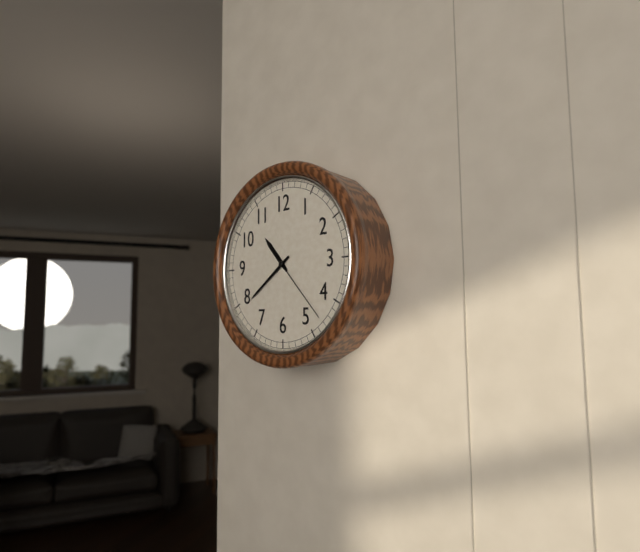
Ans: h=10 m=39 s=23
